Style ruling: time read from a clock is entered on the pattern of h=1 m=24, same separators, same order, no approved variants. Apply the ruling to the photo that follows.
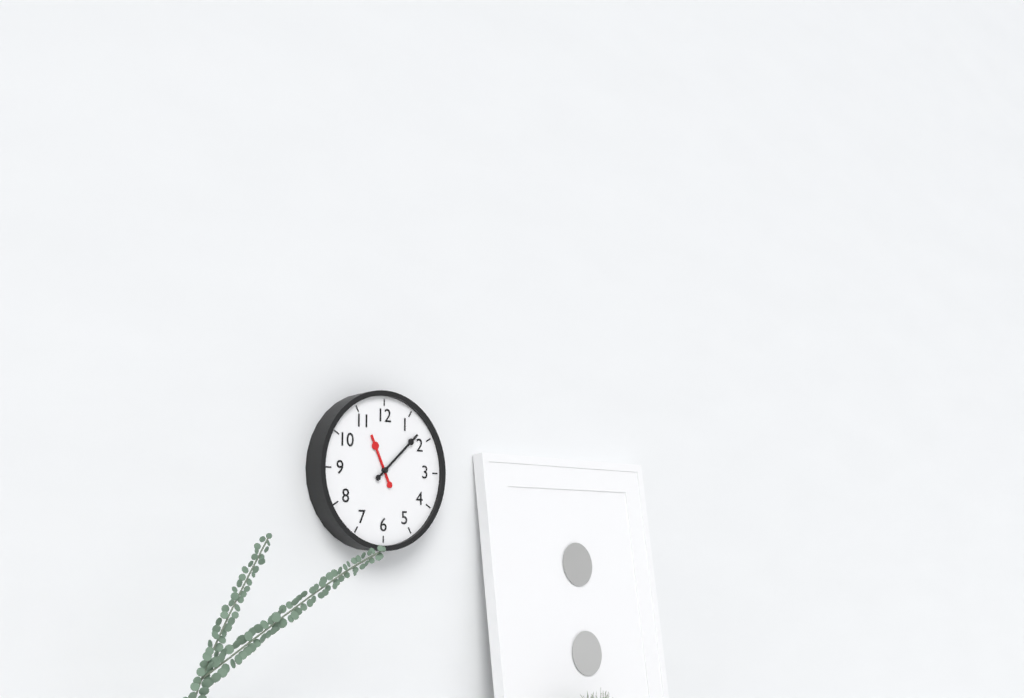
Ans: h=11 m=8
